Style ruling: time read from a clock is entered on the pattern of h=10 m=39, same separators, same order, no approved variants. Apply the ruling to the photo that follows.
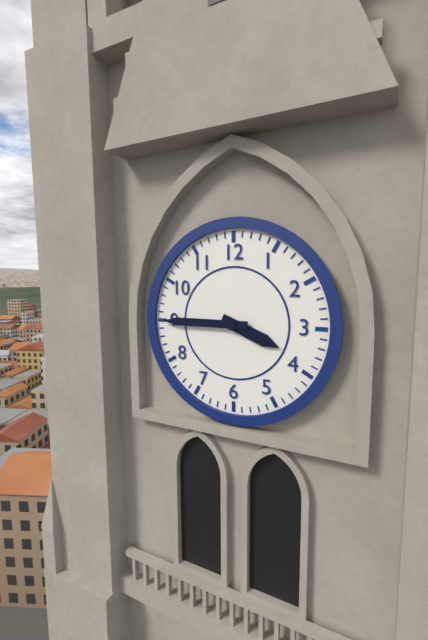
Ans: h=3 m=45
